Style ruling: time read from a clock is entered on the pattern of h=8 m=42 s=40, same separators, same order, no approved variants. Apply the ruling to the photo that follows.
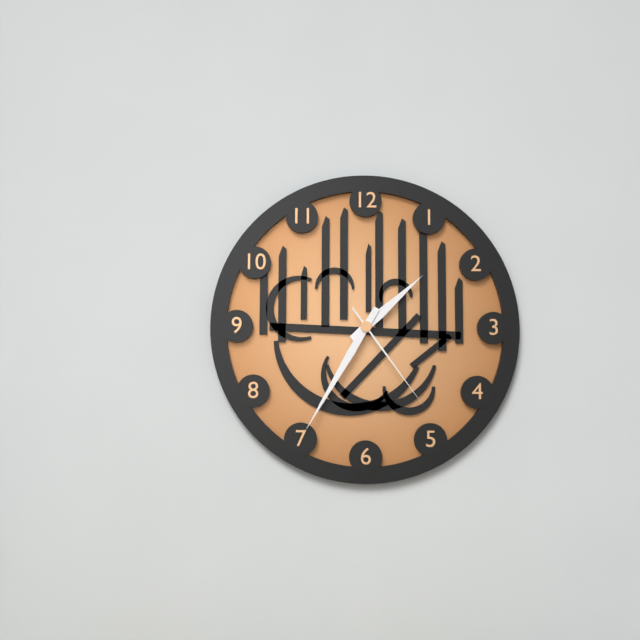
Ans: h=1 m=35 s=24
